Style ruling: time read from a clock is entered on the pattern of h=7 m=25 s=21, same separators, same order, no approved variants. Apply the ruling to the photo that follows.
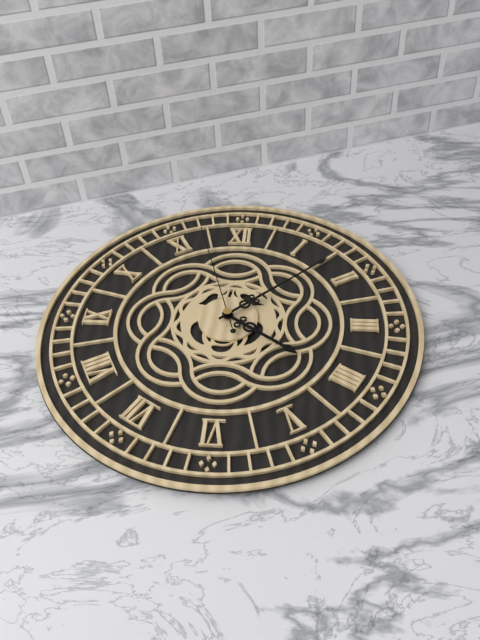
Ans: h=4 m=8 s=57
